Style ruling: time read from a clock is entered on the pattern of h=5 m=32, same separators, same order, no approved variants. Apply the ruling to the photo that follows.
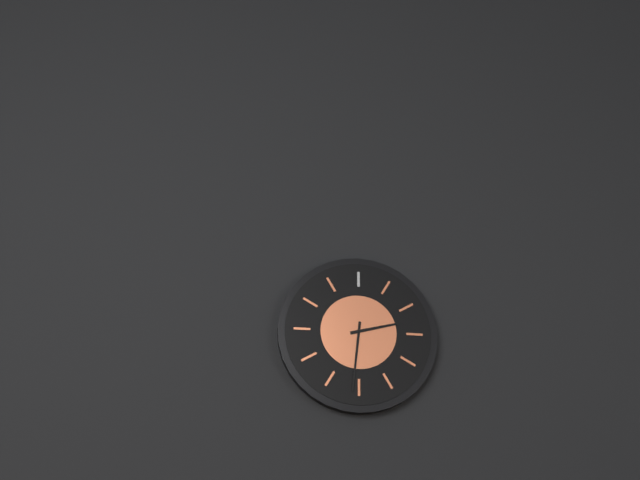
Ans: h=2 m=31
